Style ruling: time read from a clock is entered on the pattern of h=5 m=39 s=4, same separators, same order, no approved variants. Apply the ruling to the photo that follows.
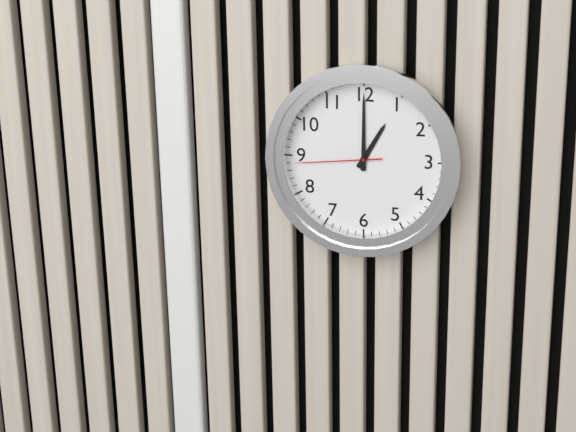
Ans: h=1 m=0 s=44
